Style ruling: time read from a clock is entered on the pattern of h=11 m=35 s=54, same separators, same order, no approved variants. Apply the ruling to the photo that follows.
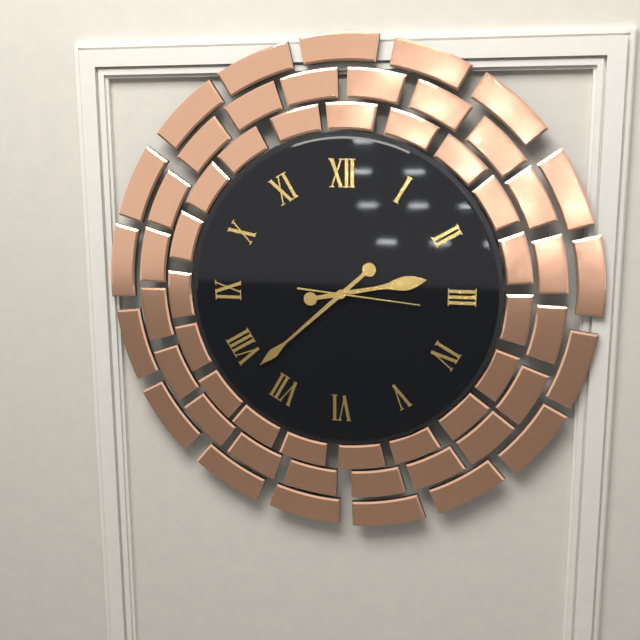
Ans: h=2 m=38 s=16
